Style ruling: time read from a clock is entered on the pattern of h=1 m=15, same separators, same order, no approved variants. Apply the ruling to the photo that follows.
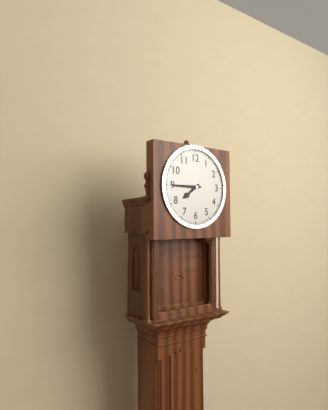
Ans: h=7 m=45
